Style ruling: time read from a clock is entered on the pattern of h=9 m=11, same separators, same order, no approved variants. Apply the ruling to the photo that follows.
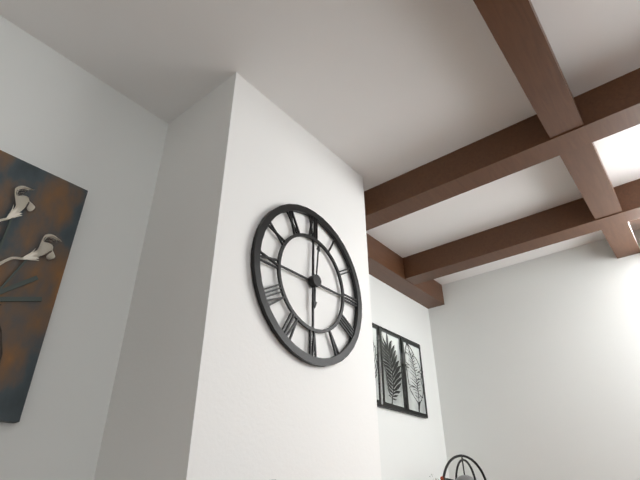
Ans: h=6 m=1
